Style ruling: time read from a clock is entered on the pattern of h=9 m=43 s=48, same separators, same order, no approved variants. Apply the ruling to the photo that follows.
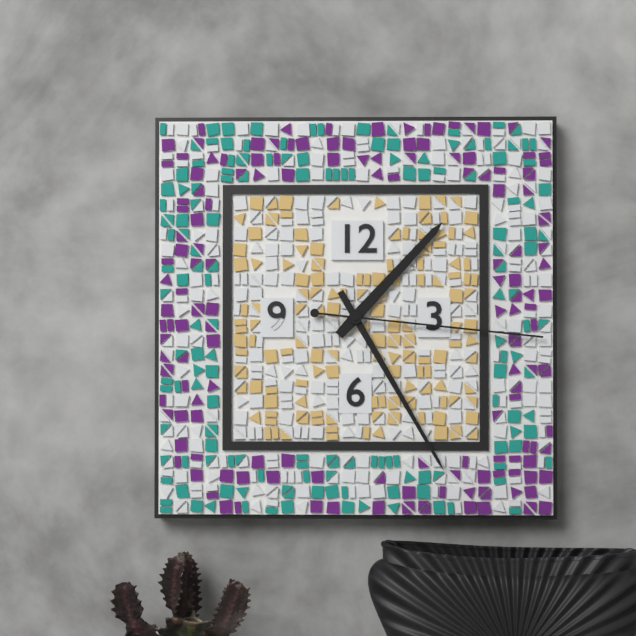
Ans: h=1 m=25 s=16
